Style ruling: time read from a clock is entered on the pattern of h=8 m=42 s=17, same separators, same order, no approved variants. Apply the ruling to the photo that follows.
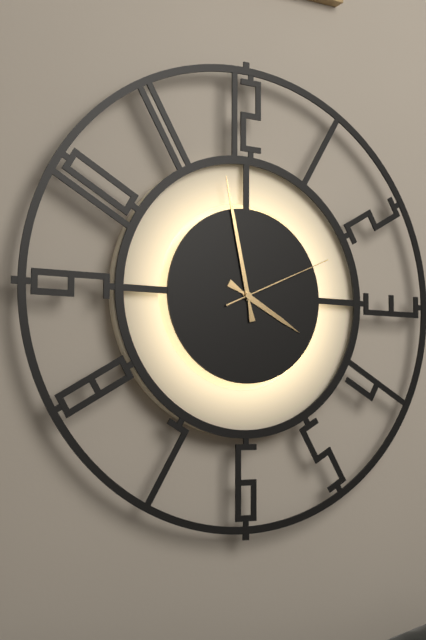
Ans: h=3 m=58 s=11
